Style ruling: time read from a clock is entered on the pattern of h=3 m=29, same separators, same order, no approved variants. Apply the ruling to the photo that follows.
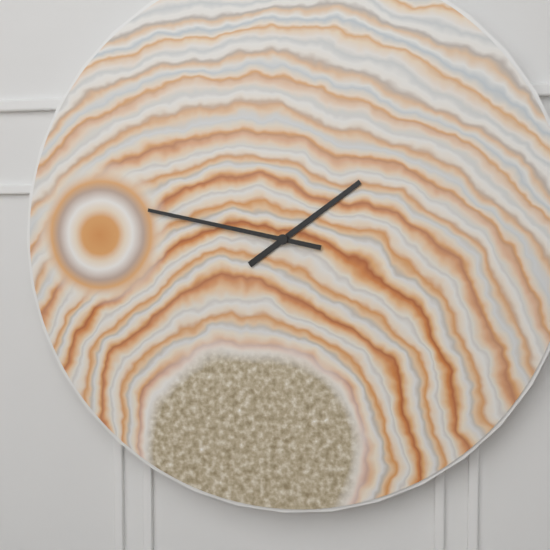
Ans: h=1 m=47
